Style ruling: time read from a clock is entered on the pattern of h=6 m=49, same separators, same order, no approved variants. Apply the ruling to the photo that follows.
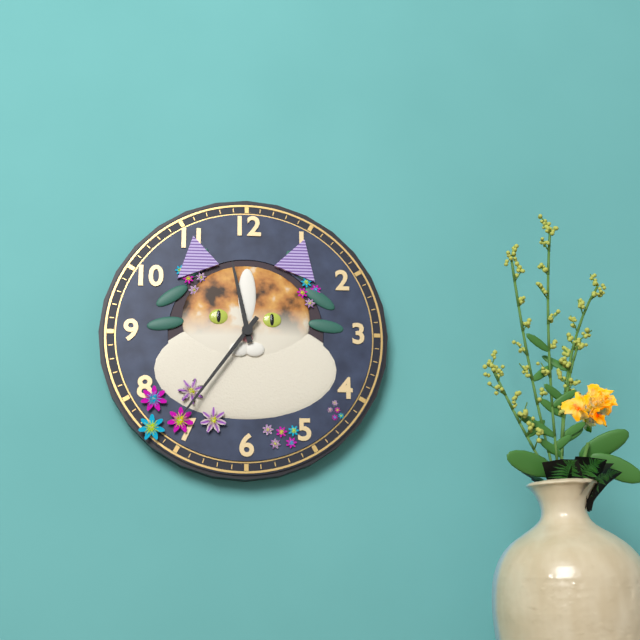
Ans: h=11 m=36
